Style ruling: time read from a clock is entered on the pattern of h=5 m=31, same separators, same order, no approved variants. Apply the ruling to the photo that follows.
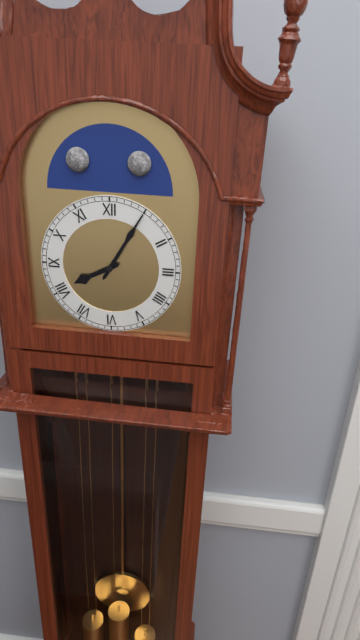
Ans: h=8 m=5
